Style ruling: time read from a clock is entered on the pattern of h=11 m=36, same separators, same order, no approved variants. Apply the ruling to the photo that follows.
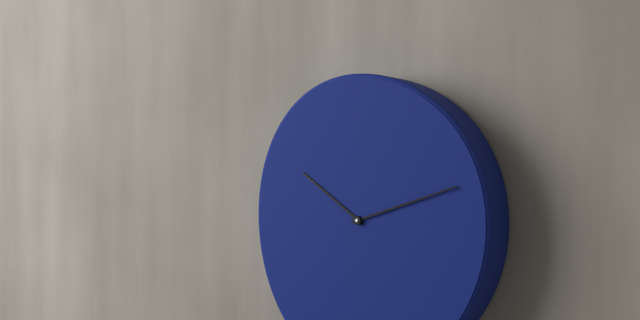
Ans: h=10 m=12
